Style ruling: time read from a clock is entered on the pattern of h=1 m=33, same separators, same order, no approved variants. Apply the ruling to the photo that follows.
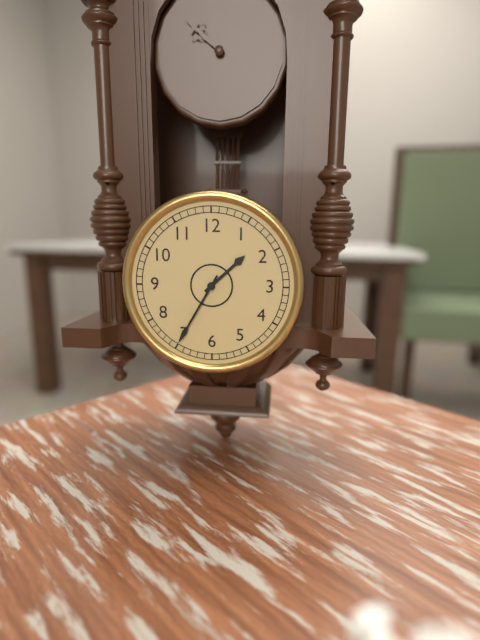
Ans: h=1 m=35
